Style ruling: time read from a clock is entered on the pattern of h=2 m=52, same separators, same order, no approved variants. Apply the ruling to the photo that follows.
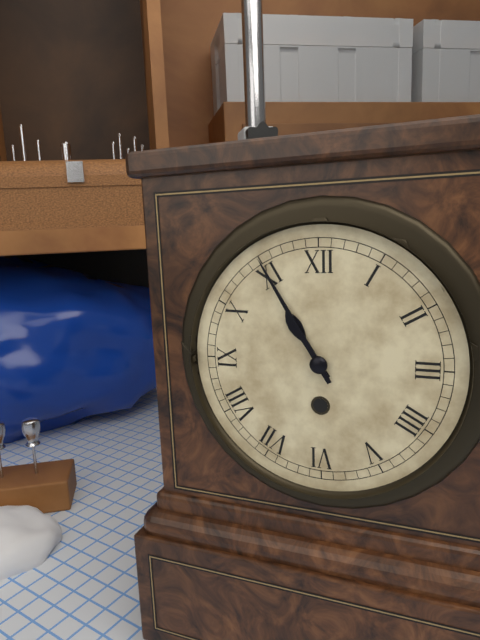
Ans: h=10 m=55
